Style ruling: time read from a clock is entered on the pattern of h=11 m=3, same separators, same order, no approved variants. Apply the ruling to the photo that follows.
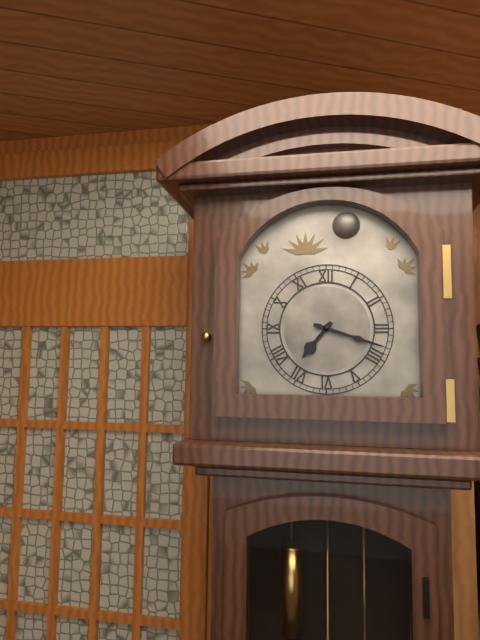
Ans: h=7 m=18
